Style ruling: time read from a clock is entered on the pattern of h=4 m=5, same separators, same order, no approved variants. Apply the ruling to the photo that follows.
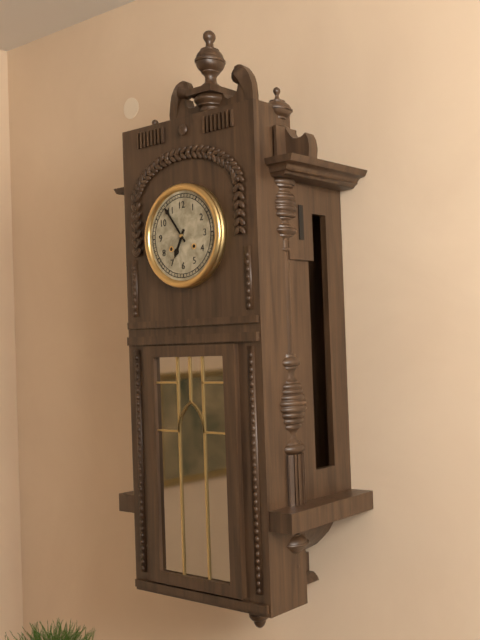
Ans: h=6 m=54
